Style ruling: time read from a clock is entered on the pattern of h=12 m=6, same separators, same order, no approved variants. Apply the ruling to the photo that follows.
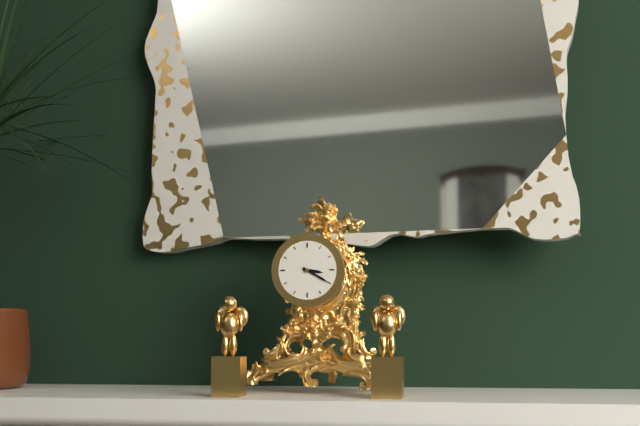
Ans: h=3 m=20
